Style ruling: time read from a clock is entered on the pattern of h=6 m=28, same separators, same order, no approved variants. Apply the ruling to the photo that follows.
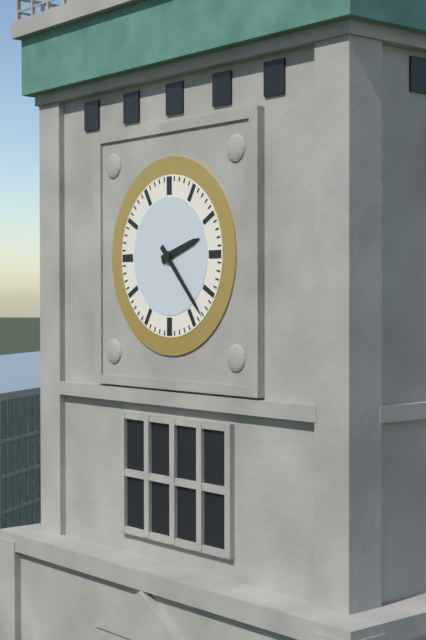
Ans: h=2 m=23
